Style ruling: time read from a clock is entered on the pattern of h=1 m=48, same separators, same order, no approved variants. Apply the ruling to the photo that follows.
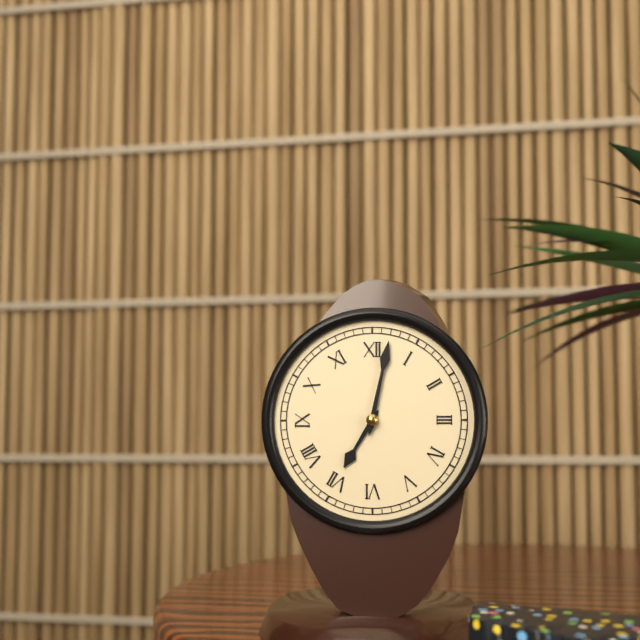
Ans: h=7 m=2
